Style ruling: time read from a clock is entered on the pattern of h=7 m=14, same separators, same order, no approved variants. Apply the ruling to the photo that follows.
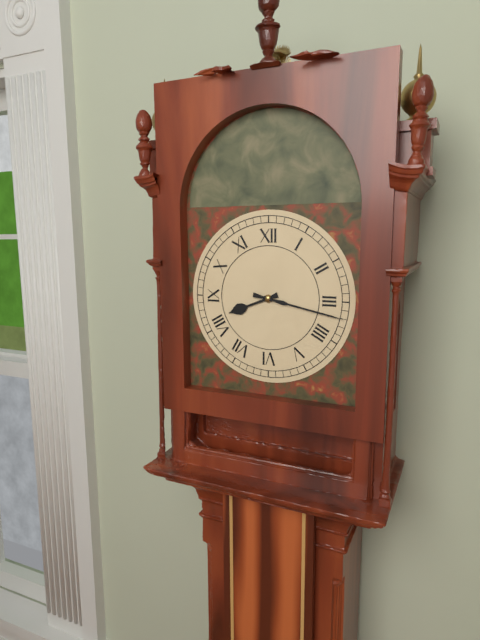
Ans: h=8 m=17
